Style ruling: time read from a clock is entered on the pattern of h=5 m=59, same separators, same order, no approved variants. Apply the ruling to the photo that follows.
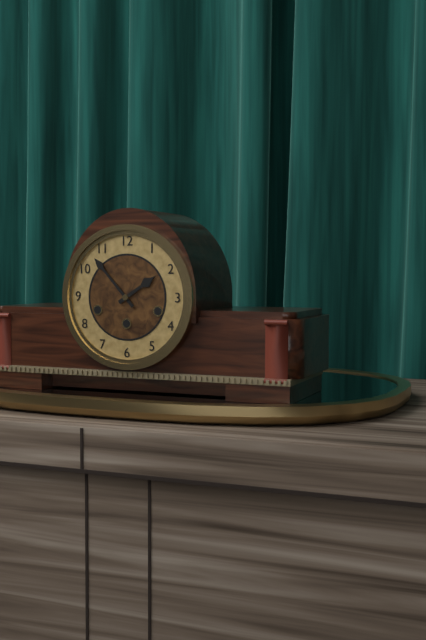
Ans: h=1 m=53
